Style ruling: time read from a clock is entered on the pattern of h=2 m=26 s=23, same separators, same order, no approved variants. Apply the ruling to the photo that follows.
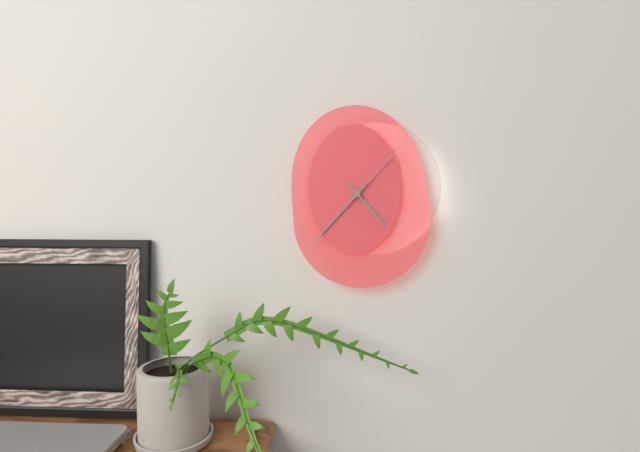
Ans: h=4 m=37 s=7
